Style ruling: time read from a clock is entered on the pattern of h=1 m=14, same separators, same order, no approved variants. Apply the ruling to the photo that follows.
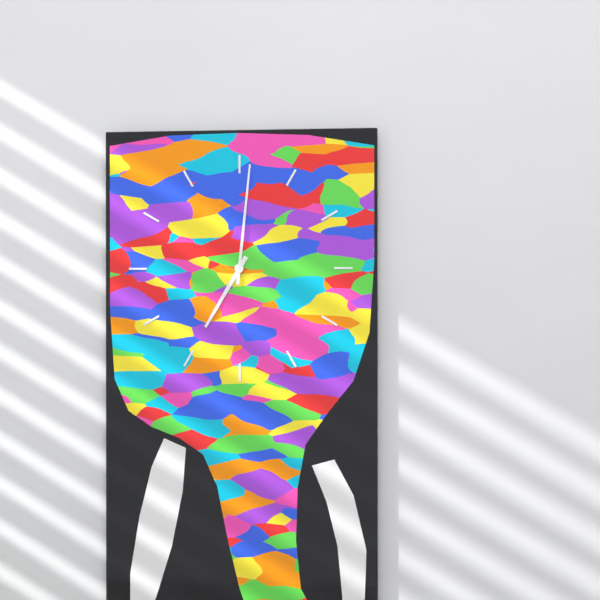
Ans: h=7 m=1
